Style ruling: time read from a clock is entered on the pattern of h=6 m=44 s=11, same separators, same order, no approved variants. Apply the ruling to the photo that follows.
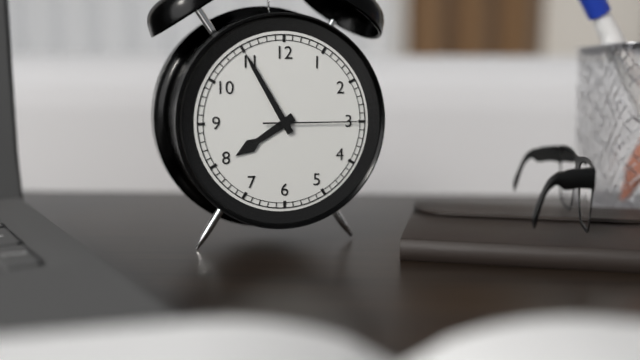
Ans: h=7 m=55 s=15
